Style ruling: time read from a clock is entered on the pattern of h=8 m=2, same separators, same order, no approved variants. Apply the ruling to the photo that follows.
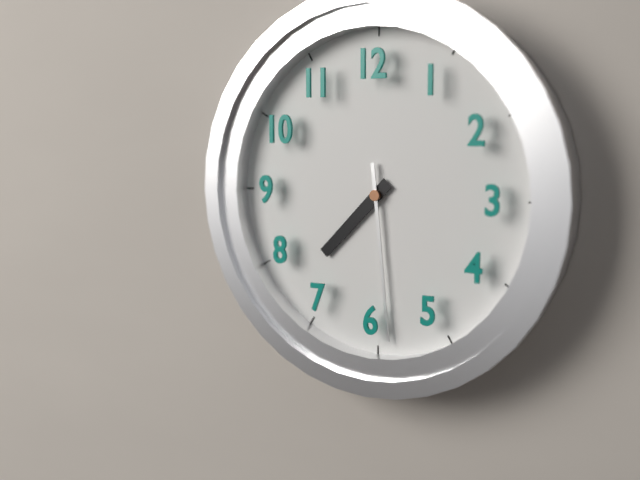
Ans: h=7 m=29
